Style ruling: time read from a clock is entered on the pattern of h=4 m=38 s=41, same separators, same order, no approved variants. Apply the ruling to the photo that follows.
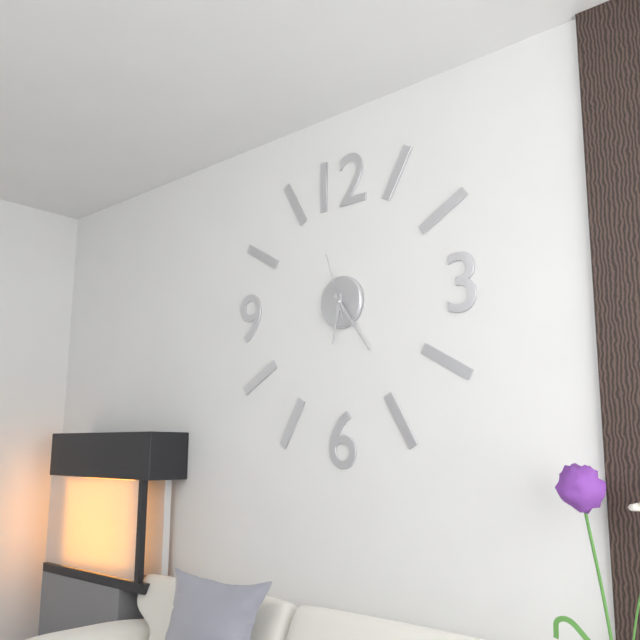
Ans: h=6 m=24 s=57
